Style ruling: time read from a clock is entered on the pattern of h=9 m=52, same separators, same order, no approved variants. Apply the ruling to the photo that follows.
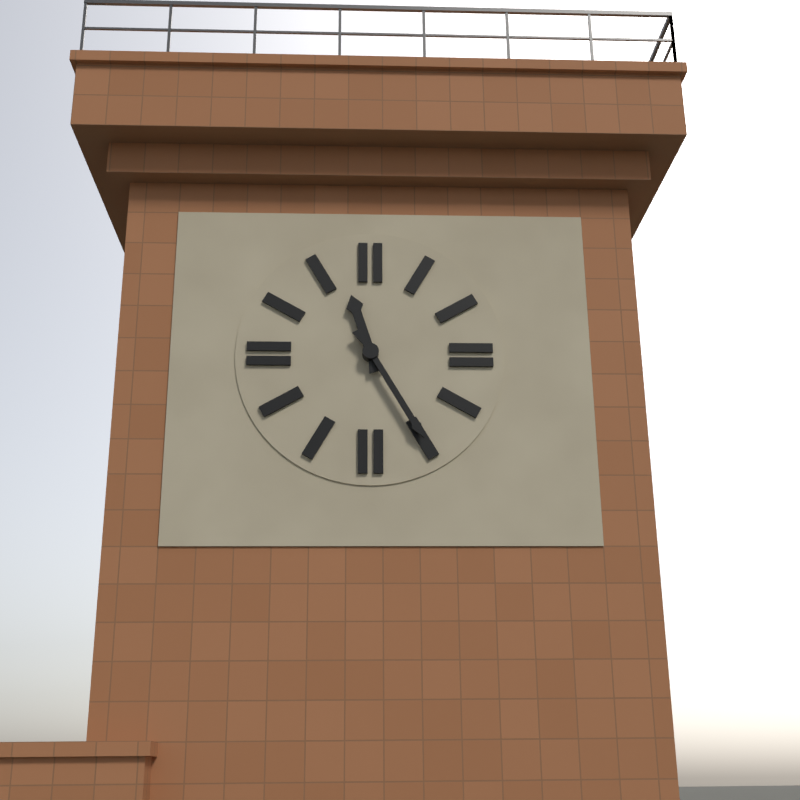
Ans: h=11 m=25
